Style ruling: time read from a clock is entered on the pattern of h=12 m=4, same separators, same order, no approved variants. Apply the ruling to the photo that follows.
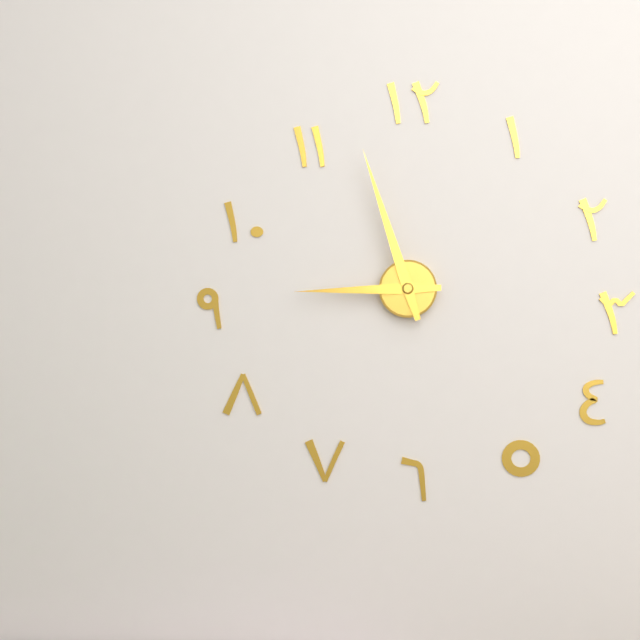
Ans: h=8 m=57
